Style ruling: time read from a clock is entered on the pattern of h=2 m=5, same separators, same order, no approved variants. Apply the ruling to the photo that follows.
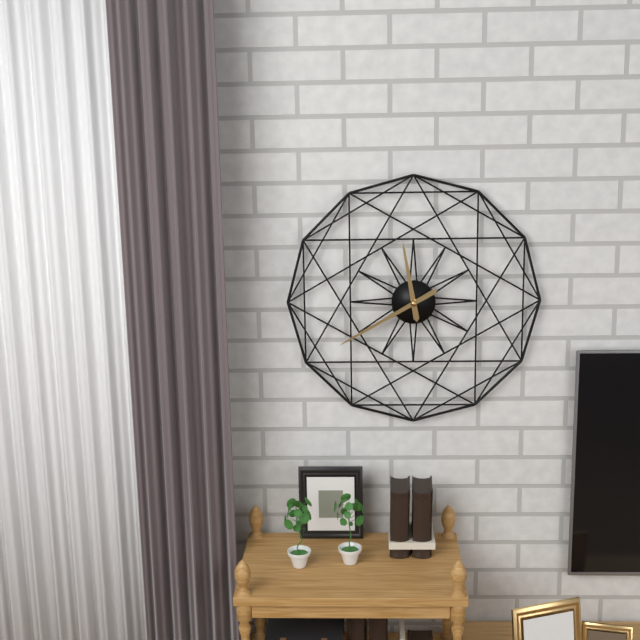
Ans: h=11 m=40
